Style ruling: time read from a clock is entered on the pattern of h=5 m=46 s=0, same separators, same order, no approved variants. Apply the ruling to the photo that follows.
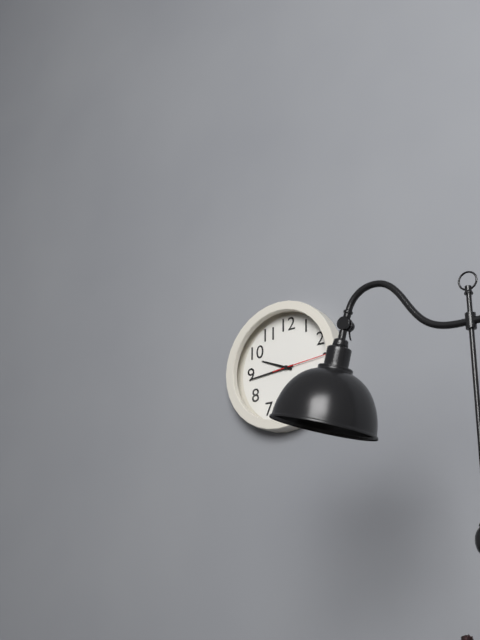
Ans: h=9 m=44 s=14
